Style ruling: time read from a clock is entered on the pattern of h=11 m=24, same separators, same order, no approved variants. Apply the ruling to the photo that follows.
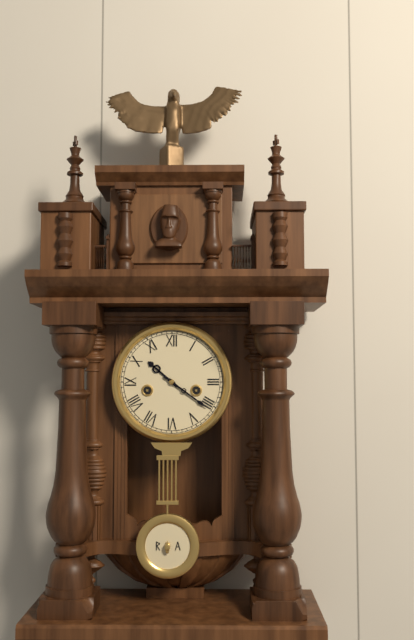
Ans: h=10 m=21
